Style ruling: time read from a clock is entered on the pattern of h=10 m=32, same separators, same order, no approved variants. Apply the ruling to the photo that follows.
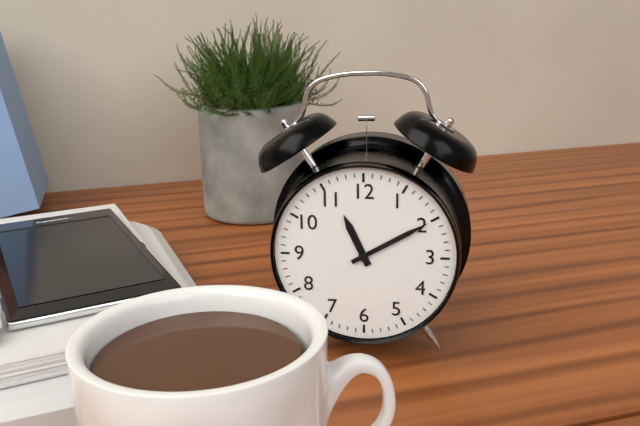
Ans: h=11 m=10
